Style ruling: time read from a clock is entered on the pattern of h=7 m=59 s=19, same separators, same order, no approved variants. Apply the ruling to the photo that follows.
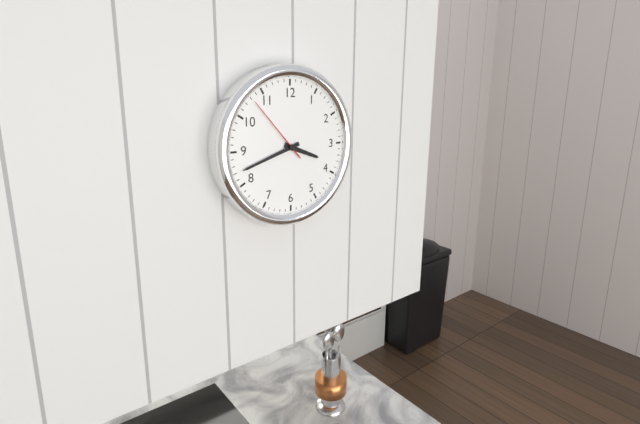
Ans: h=3 m=42 s=53
